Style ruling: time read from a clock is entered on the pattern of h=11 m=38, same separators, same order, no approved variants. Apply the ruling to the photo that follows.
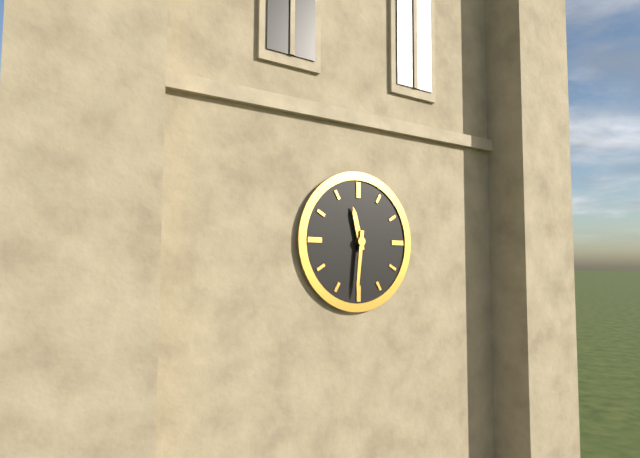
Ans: h=11 m=31
